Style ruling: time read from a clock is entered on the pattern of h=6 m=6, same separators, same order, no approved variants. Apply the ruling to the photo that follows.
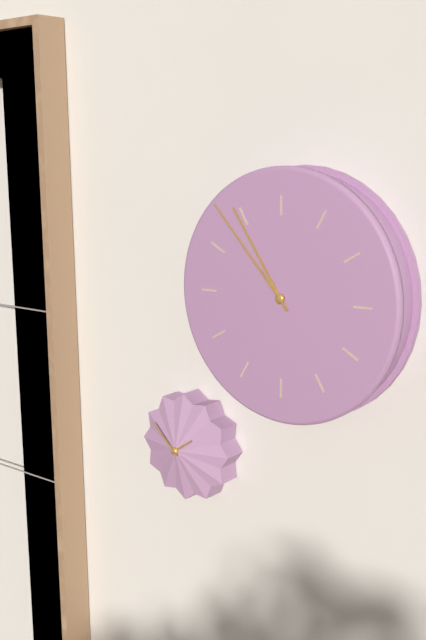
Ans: h=10 m=53
